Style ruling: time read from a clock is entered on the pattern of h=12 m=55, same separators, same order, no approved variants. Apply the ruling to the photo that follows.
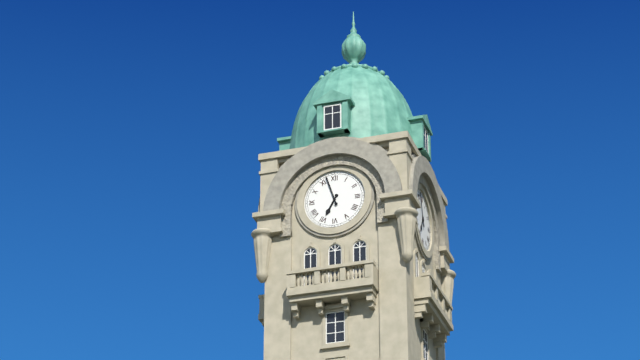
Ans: h=6 m=57
